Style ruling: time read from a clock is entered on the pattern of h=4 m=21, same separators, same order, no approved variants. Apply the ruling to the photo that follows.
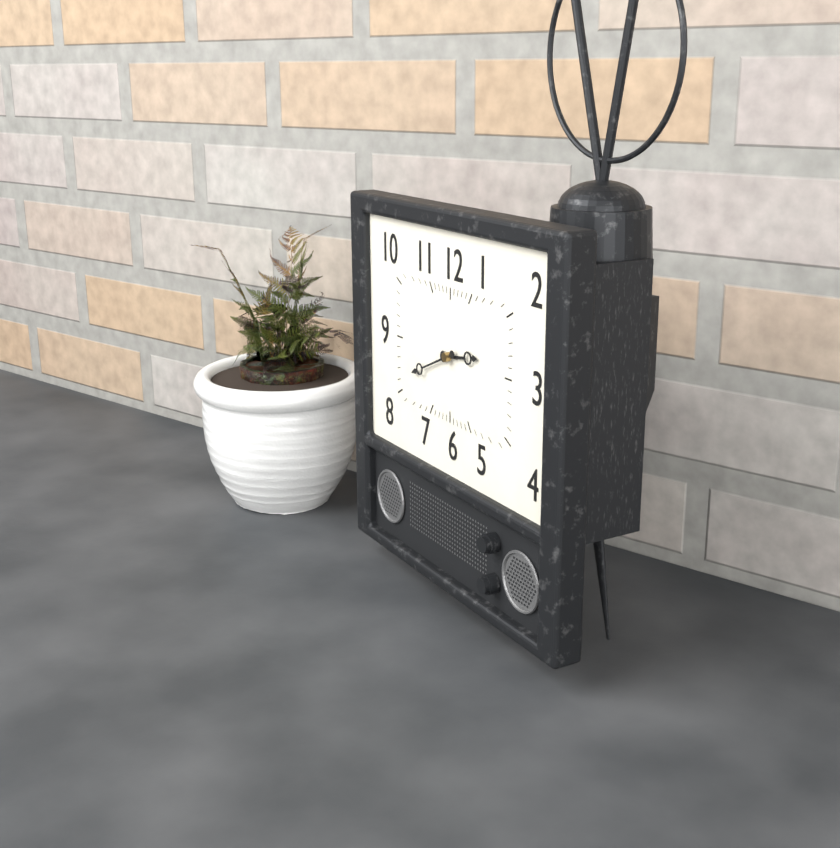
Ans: h=2 m=41
